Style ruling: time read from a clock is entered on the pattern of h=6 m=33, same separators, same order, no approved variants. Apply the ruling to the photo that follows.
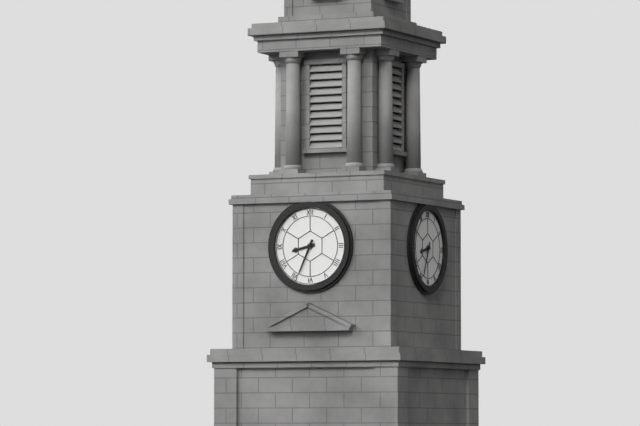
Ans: h=8 m=34
